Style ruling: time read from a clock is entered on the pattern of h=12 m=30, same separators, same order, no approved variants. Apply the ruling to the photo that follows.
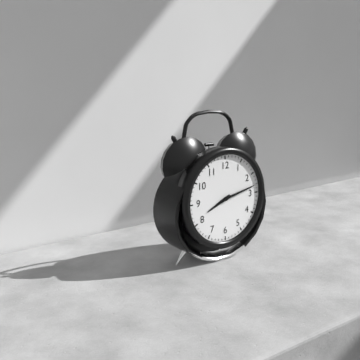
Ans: h=8 m=13
